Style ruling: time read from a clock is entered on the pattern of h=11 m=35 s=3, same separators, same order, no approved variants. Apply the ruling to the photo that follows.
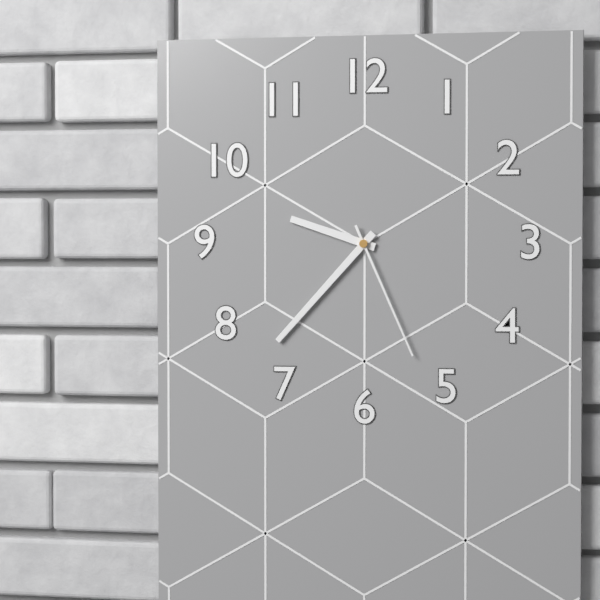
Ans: h=9 m=37 s=26
